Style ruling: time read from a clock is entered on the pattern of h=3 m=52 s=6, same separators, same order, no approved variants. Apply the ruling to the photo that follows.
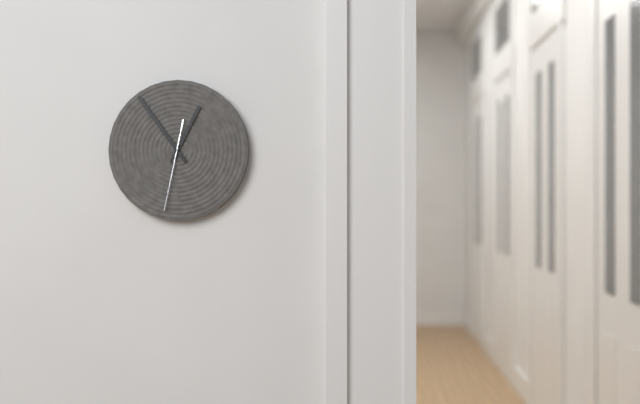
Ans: h=12 m=54 s=32
